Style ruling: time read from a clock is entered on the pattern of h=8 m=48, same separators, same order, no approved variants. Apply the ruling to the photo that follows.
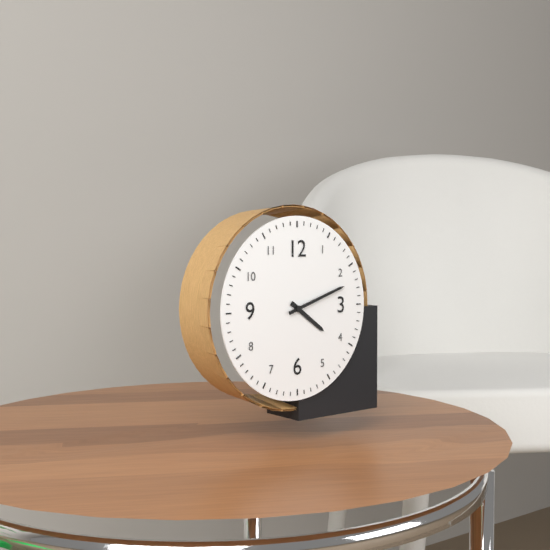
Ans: h=4 m=12
